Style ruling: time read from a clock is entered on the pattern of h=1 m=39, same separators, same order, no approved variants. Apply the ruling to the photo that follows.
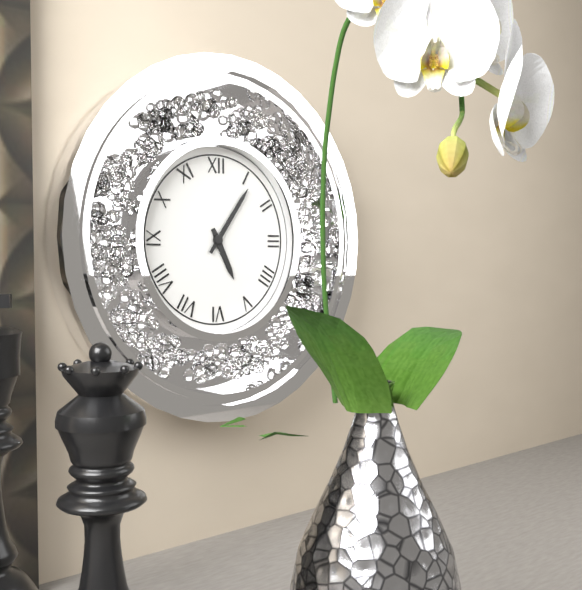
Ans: h=5 m=6
